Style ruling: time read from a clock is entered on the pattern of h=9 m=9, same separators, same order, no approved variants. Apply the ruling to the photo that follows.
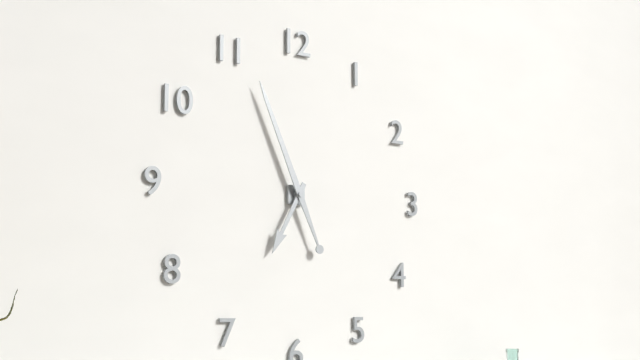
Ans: h=6 m=56
